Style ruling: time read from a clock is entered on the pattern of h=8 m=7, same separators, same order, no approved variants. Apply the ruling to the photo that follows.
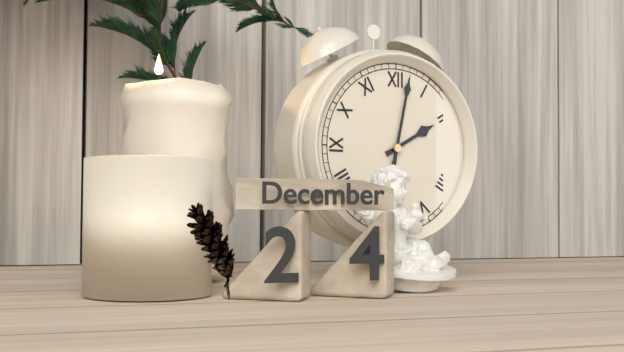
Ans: h=2 m=2
